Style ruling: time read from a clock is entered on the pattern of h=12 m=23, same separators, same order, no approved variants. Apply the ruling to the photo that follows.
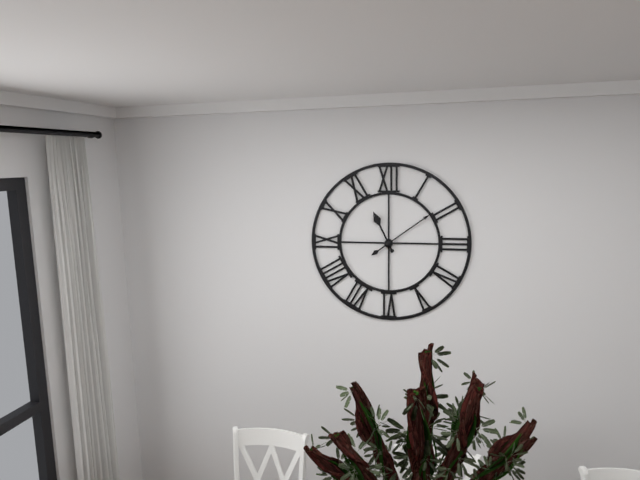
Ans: h=11 m=9
